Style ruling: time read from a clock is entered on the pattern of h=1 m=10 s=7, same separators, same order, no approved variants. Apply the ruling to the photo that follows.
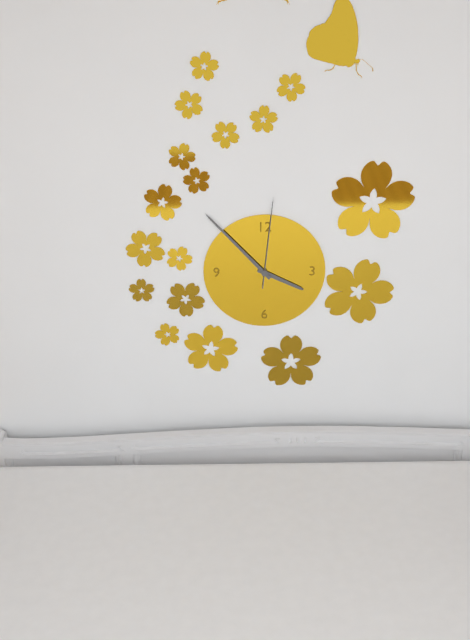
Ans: h=3 m=53 s=1
